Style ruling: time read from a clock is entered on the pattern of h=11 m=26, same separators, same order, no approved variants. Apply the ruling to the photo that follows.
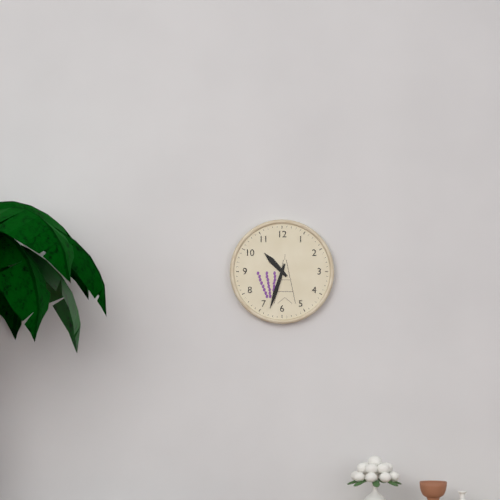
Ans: h=10 m=33
